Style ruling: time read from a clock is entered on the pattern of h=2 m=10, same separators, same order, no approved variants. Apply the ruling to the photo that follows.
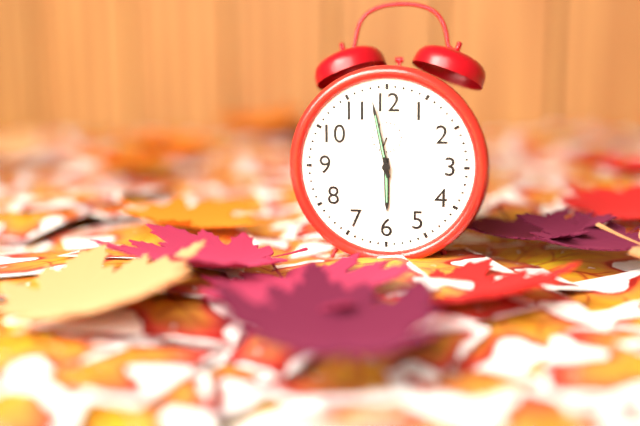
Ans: h=5 m=58
